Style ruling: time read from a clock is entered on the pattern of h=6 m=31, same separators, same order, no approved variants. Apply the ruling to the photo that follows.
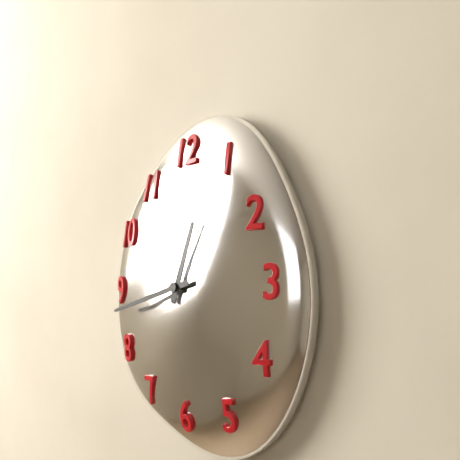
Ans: h=12 m=43
